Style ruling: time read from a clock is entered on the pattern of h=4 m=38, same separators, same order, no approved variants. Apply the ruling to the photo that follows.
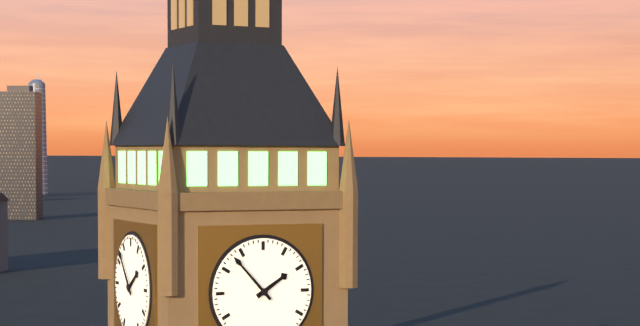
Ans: h=1 m=53
